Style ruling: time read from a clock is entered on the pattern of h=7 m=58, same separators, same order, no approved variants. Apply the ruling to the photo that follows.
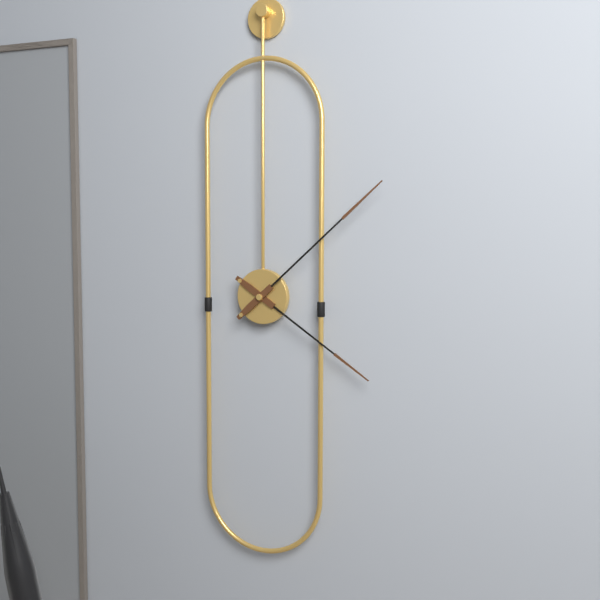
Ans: h=4 m=8
